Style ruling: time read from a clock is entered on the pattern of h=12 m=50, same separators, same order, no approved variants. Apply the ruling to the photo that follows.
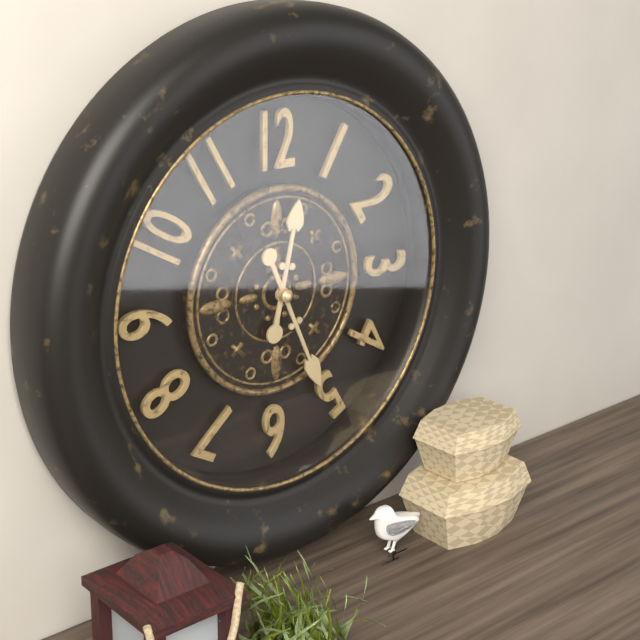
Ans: h=12 m=26
